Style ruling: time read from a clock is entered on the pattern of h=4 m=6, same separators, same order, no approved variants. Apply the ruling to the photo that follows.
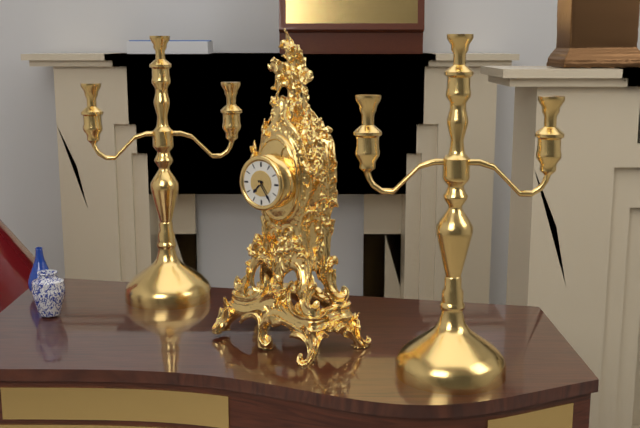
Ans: h=7 m=24
